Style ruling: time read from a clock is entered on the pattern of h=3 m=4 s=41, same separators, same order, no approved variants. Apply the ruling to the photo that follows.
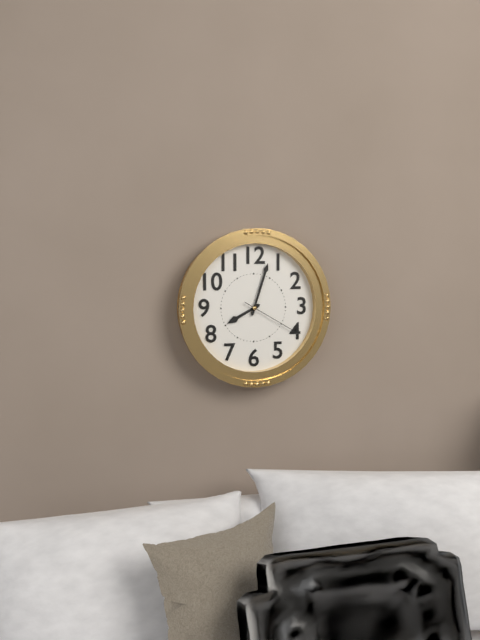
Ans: h=8 m=3 s=20
